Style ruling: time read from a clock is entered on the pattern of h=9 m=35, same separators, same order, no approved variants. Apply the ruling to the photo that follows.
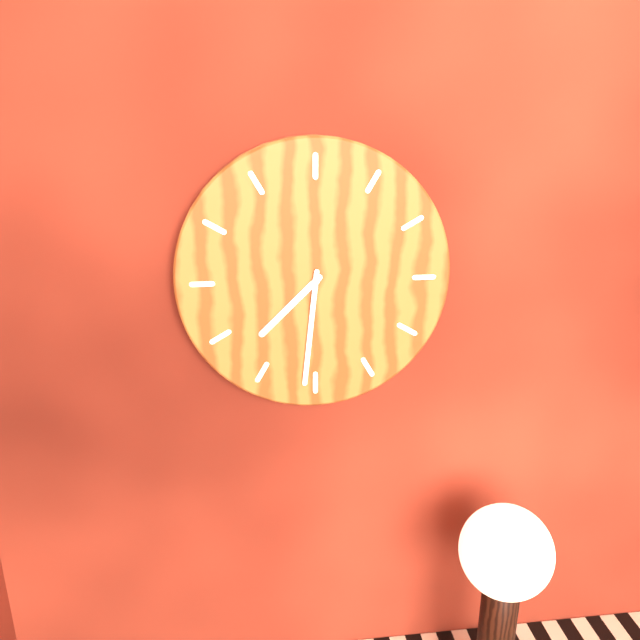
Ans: h=7 m=31
